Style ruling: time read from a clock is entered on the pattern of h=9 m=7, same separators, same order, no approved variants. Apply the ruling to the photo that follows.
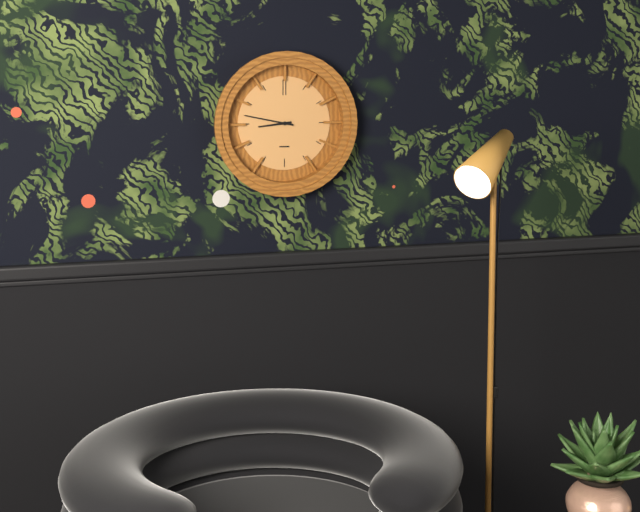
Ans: h=8 m=47
